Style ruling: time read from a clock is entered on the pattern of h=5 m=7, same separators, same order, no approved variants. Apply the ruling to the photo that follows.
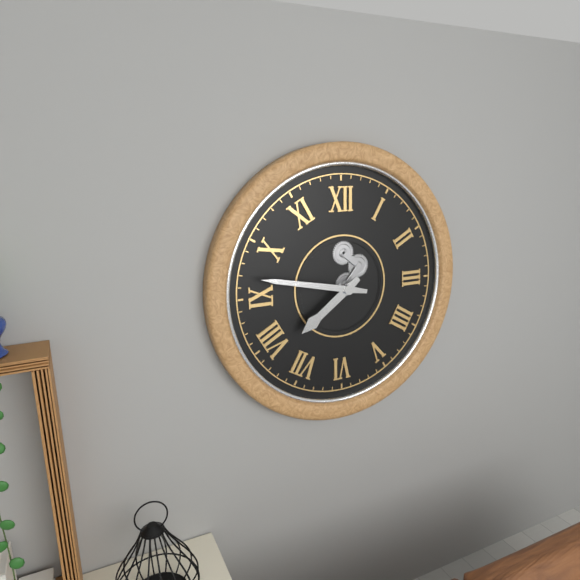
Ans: h=7 m=47
